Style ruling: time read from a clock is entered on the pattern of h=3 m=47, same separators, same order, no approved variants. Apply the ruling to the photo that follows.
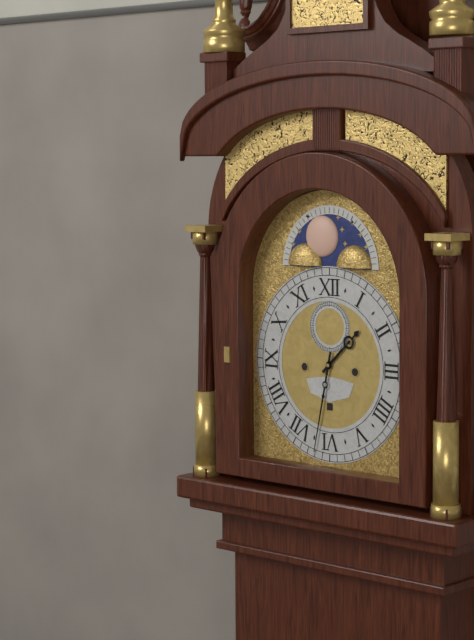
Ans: h=1 m=32
